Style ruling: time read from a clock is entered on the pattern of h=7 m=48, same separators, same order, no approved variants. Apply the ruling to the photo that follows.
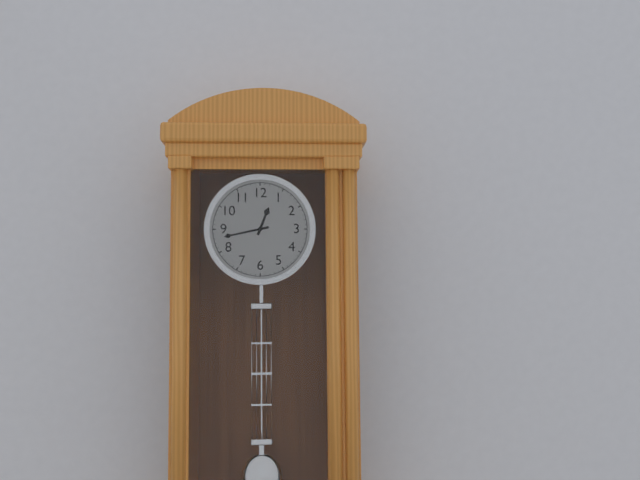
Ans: h=12 m=43
